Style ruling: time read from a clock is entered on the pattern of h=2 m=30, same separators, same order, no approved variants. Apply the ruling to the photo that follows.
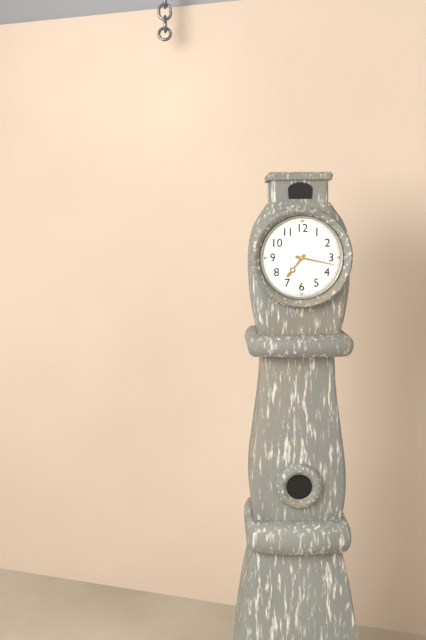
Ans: h=7 m=17
